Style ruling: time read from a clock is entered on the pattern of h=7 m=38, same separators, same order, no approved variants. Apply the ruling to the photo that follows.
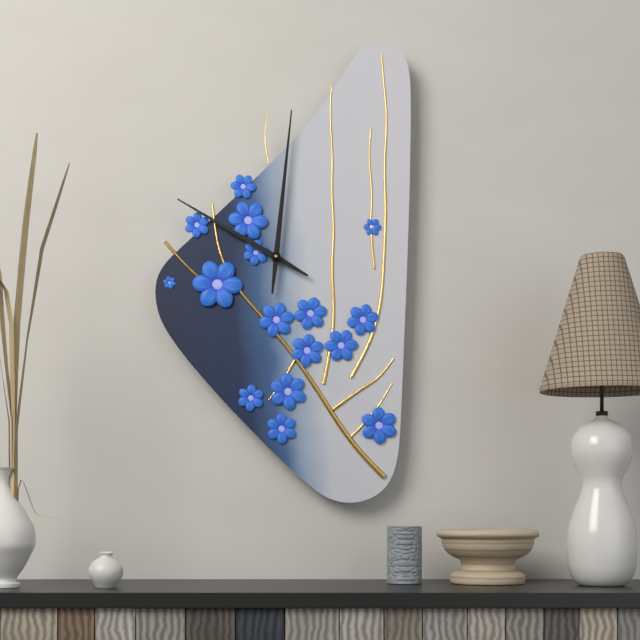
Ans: h=10 m=1
